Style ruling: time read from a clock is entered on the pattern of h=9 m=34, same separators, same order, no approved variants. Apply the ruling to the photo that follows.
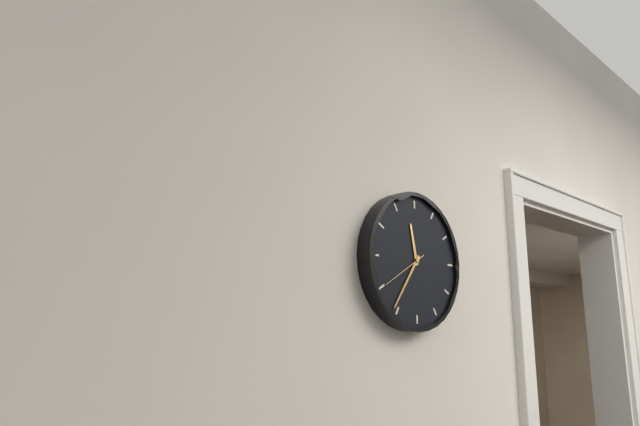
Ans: h=11 m=36
